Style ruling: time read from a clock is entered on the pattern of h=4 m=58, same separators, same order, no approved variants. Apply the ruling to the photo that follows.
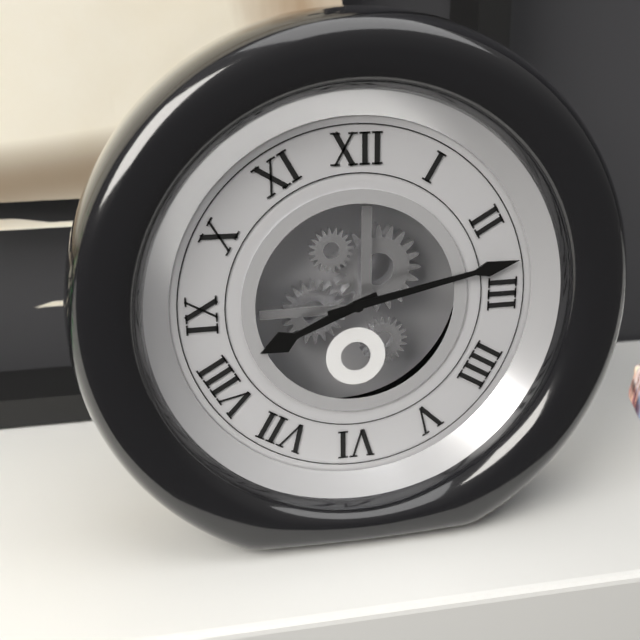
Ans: h=8 m=13
